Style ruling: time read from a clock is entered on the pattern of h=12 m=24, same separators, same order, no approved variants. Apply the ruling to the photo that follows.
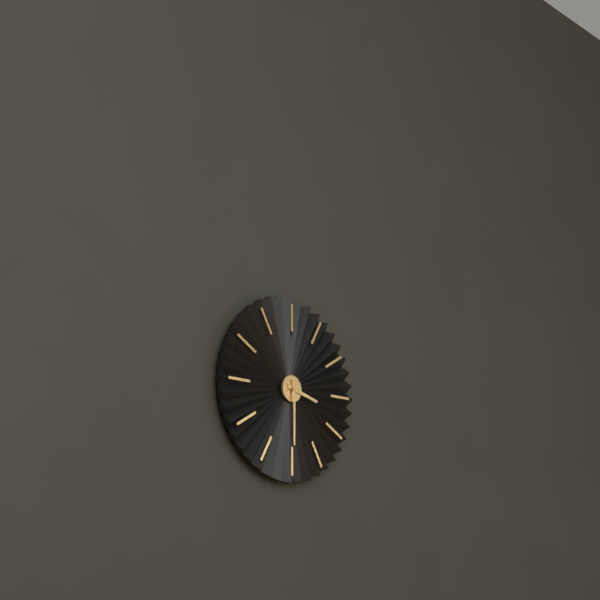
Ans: h=3 m=30
